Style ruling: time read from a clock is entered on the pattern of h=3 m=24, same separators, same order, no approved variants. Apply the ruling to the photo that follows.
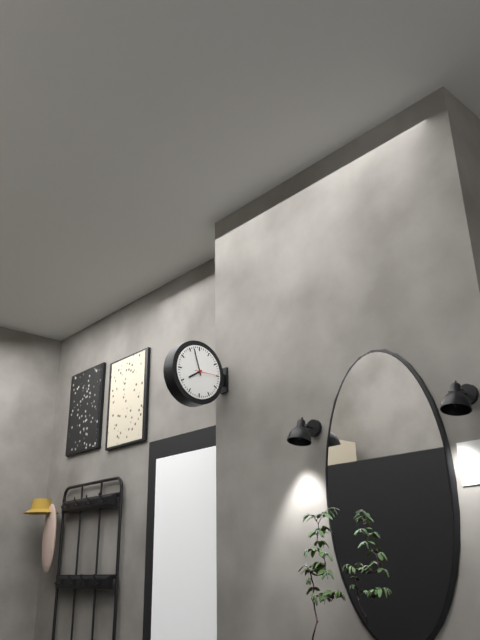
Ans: h=7 m=57
